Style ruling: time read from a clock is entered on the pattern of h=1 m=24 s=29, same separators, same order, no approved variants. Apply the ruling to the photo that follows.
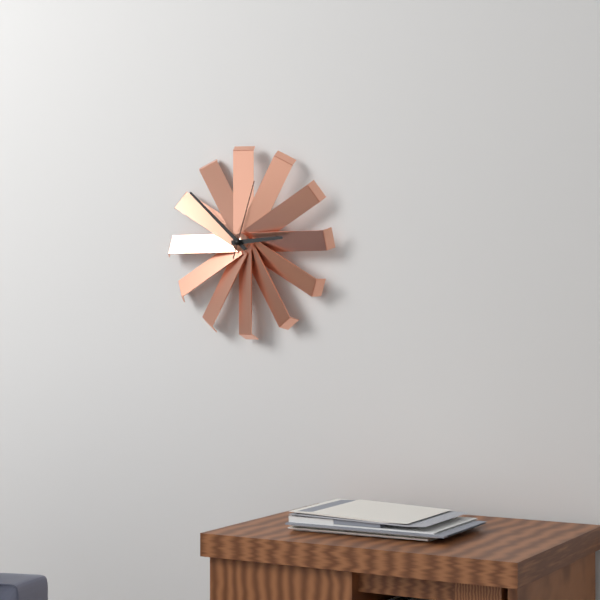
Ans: h=2 m=52 s=3
